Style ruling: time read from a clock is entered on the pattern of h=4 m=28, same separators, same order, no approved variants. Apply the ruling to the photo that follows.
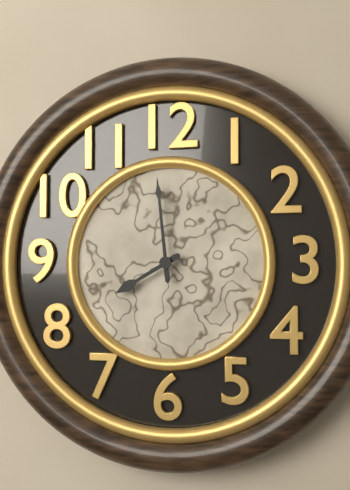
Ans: h=7 m=59
